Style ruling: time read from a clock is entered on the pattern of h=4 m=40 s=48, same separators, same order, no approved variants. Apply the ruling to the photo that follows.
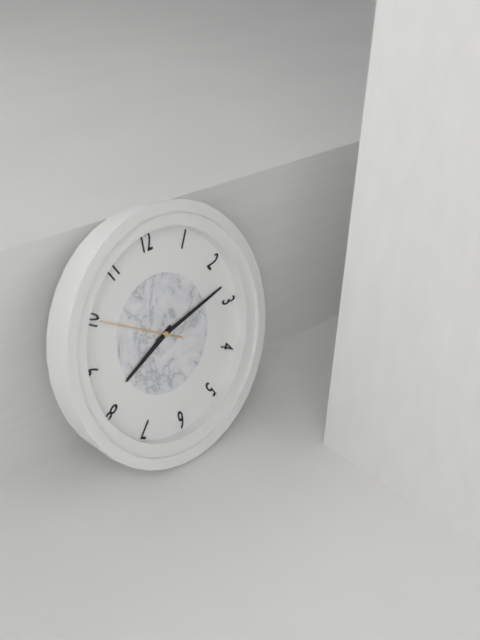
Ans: h=8 m=13 s=50
